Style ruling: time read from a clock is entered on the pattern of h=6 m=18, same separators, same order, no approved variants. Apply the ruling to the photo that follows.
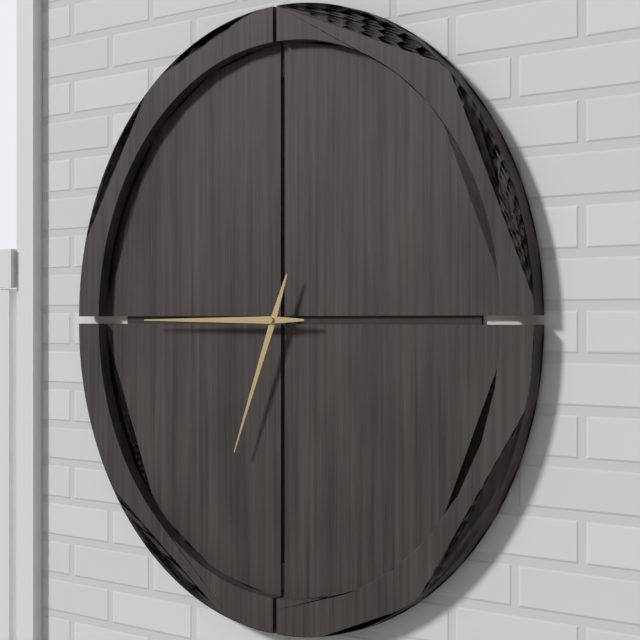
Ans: h=6 m=45
